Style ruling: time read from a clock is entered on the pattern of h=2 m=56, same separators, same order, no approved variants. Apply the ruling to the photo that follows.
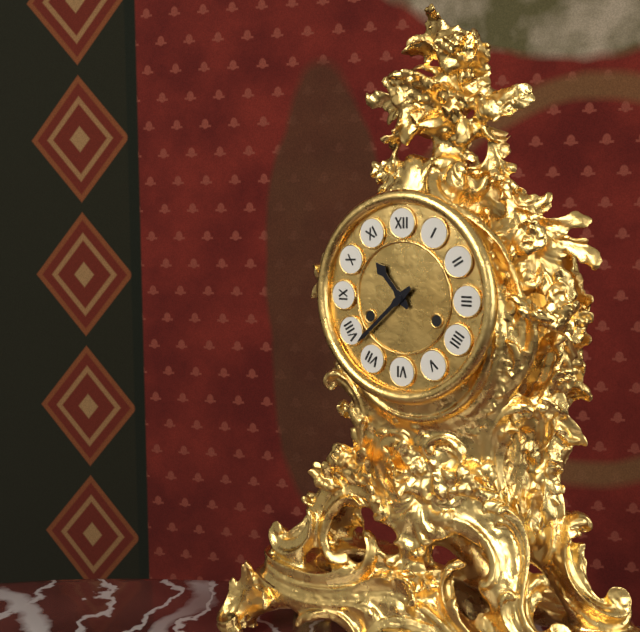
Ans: h=10 m=38
